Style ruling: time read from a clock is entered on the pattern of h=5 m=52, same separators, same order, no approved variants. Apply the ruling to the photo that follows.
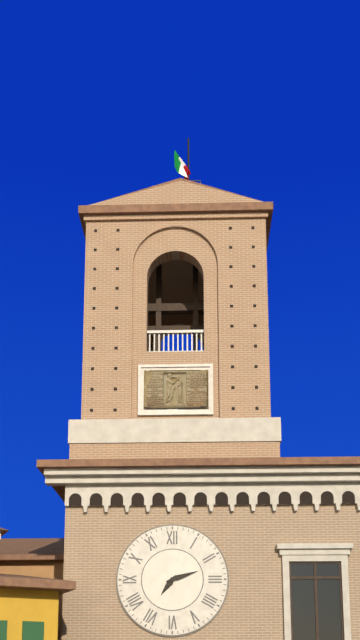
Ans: h=7 m=12
